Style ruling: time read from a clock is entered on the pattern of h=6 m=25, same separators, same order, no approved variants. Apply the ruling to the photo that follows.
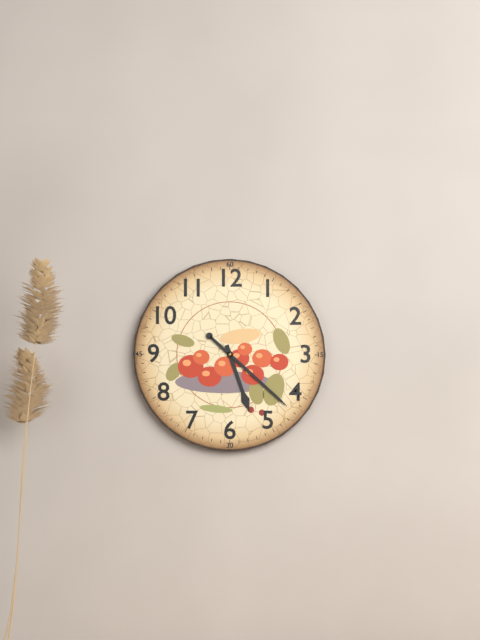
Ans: h=5 m=22
